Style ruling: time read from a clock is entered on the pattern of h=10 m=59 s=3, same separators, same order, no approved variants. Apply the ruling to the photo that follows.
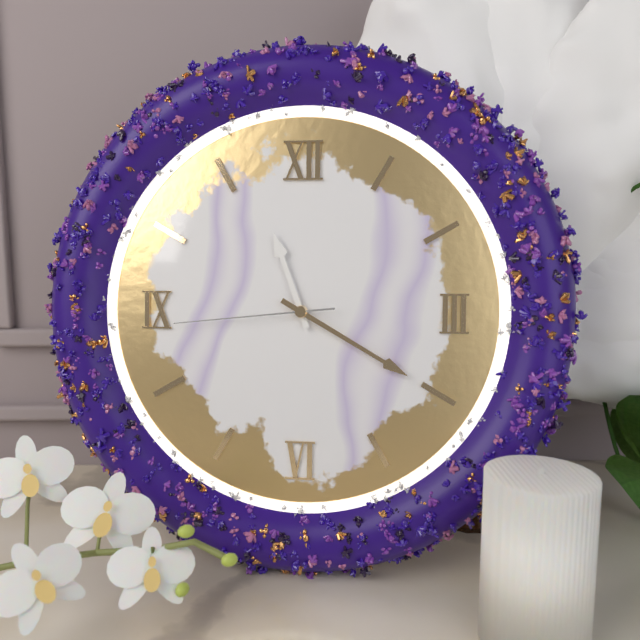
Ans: h=11 m=20 s=44
